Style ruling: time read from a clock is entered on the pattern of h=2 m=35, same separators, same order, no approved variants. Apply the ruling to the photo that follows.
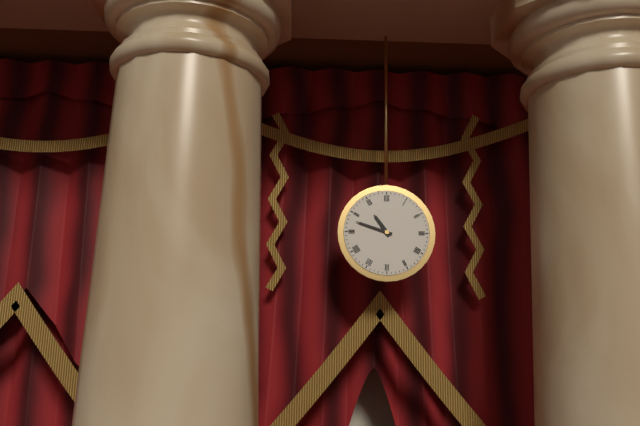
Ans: h=10 m=48
